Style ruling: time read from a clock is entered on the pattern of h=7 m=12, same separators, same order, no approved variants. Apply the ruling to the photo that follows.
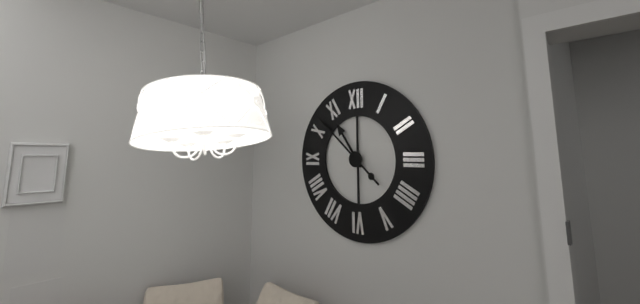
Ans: h=10 m=52
